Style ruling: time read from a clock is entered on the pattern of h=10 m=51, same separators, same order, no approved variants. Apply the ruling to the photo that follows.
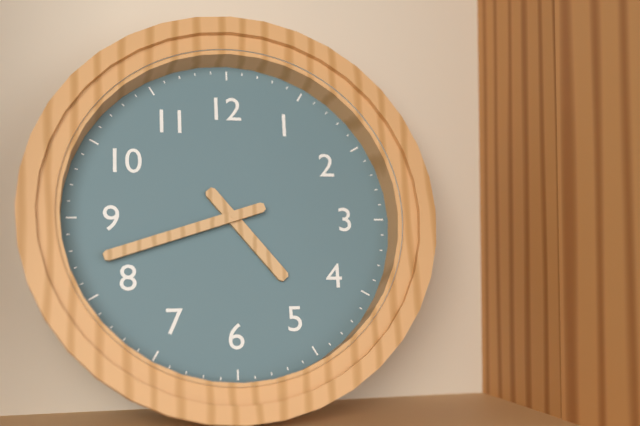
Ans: h=4 m=42
